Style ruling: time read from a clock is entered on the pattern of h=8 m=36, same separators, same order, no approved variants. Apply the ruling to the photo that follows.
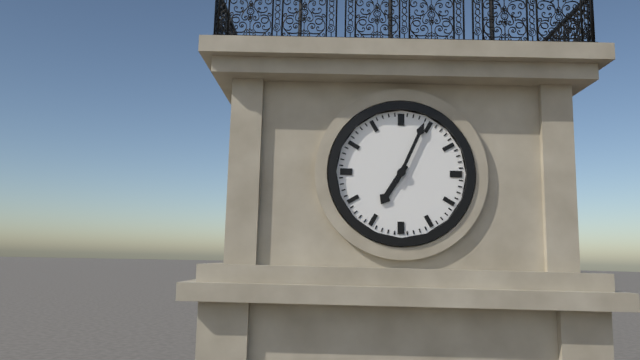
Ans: h=7 m=4
